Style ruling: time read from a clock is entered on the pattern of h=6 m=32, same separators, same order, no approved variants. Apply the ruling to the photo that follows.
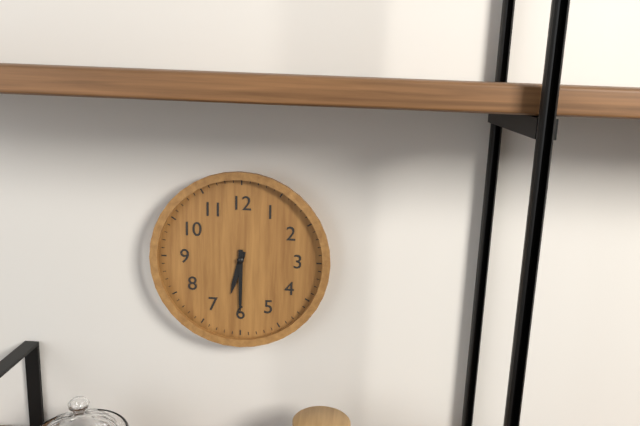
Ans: h=6 m=30
